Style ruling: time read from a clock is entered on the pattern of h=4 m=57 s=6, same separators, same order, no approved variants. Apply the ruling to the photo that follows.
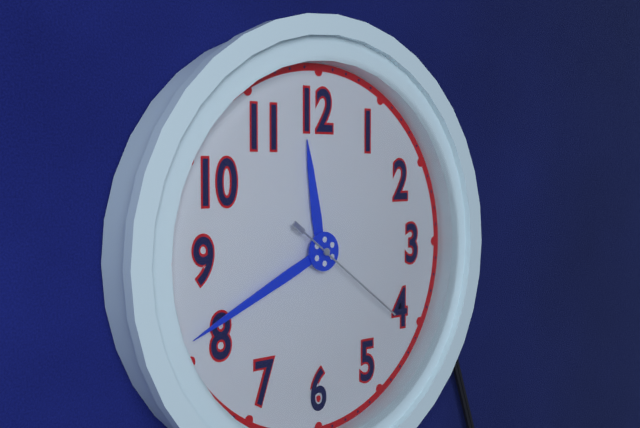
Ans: h=11 m=41 s=21
